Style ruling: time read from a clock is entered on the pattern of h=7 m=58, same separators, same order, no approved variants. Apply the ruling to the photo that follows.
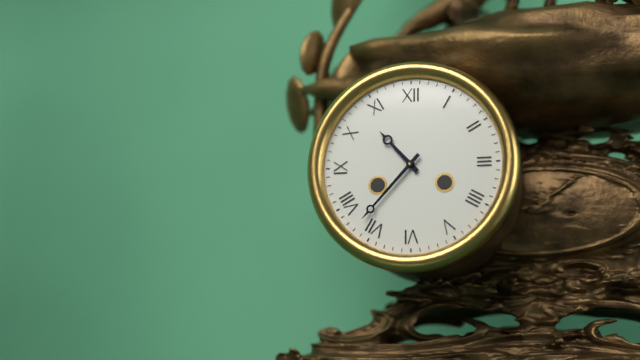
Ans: h=10 m=37
